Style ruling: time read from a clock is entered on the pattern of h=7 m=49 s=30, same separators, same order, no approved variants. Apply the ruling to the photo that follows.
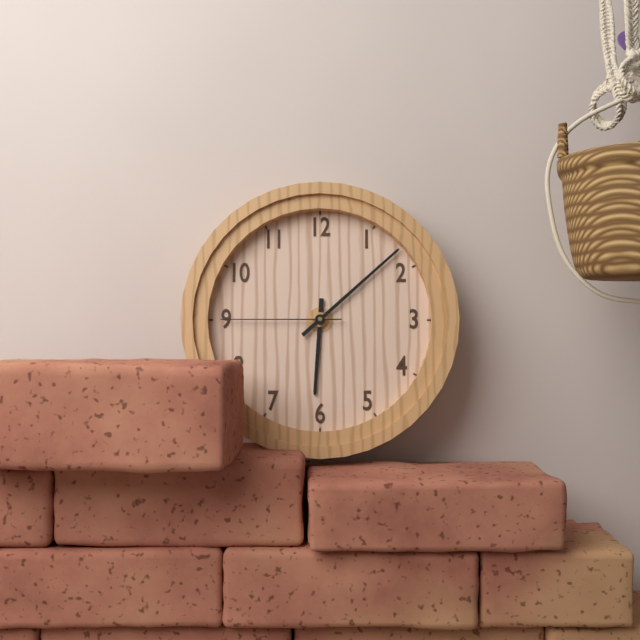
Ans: h=6 m=8 s=45
